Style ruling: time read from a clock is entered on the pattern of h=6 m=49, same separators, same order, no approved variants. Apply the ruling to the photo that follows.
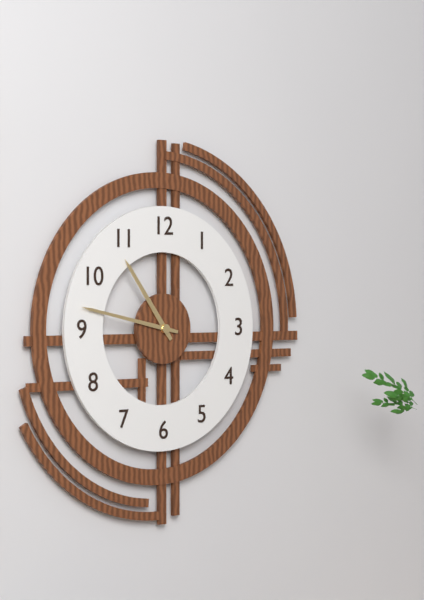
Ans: h=10 m=47
